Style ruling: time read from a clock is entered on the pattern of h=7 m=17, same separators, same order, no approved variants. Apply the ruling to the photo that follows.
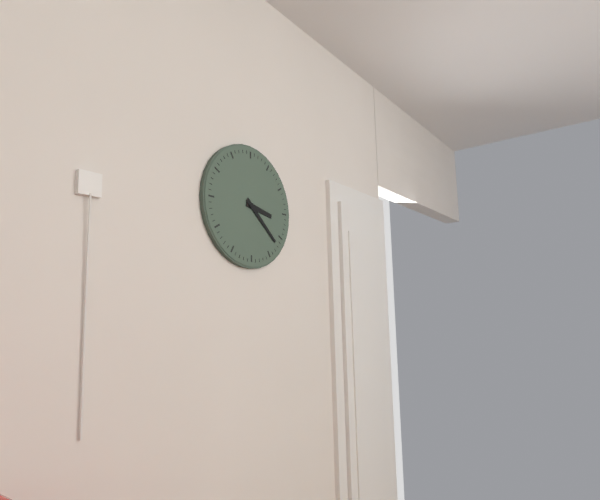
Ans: h=3 m=22
